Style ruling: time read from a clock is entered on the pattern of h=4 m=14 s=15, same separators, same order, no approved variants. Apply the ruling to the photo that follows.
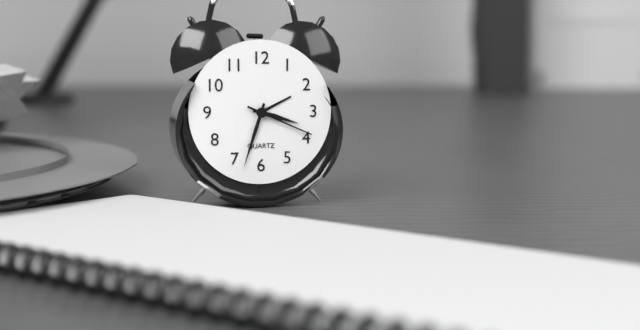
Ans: h=3 m=33 s=19
